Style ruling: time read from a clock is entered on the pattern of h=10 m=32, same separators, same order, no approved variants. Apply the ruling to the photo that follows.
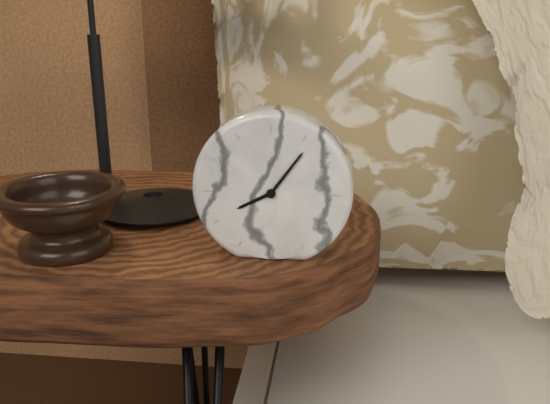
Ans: h=8 m=6
